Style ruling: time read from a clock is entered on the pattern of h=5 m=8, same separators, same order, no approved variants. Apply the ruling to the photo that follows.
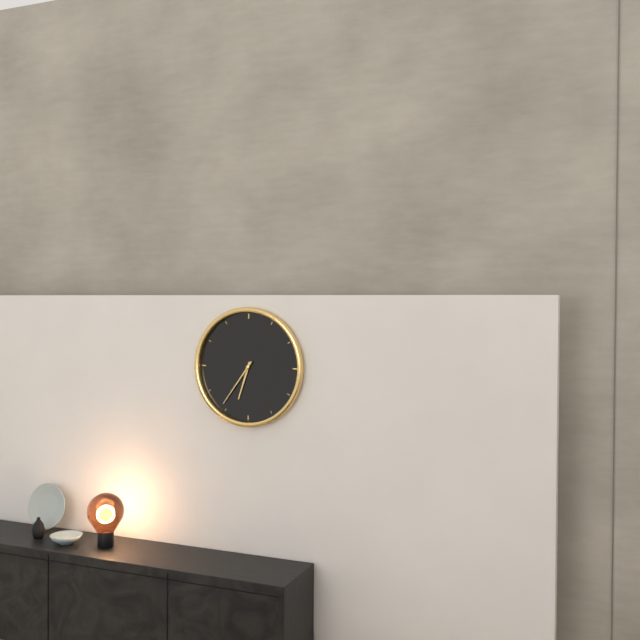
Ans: h=6 m=36
